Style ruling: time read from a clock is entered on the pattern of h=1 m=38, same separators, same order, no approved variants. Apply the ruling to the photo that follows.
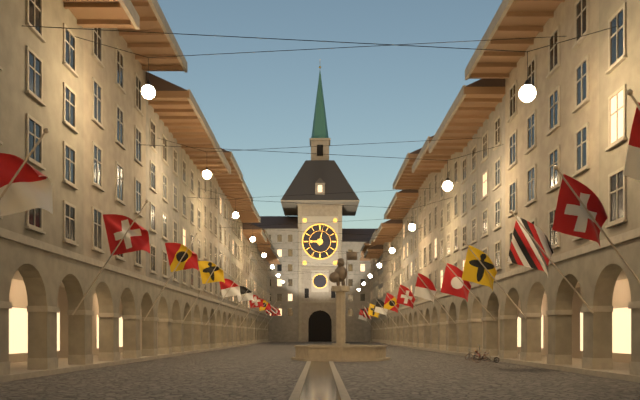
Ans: h=9 m=2
